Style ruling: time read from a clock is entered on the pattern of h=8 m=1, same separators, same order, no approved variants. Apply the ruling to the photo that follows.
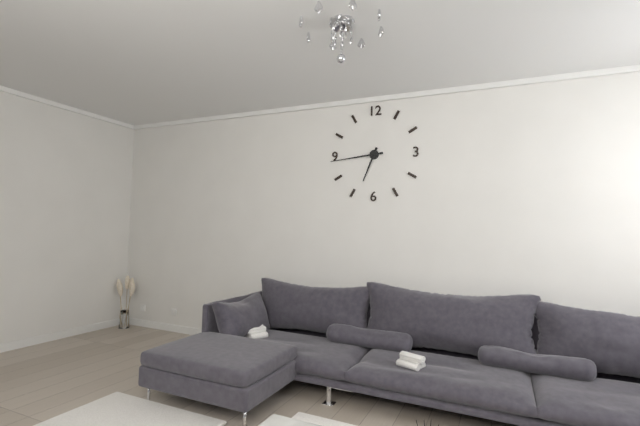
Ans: h=6 m=44
